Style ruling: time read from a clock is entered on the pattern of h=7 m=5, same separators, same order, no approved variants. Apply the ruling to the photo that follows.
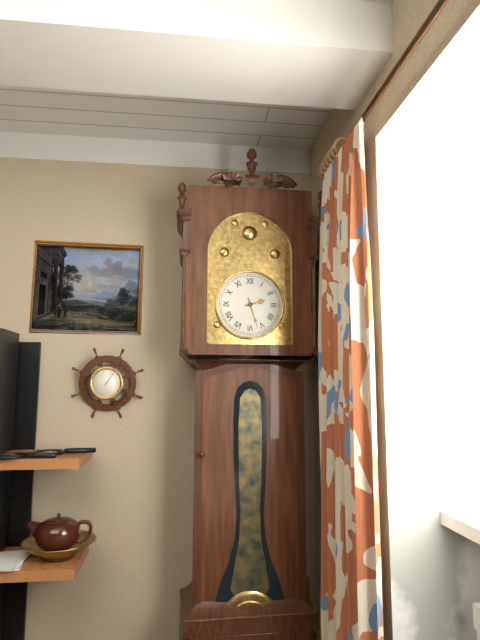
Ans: h=2 m=27
